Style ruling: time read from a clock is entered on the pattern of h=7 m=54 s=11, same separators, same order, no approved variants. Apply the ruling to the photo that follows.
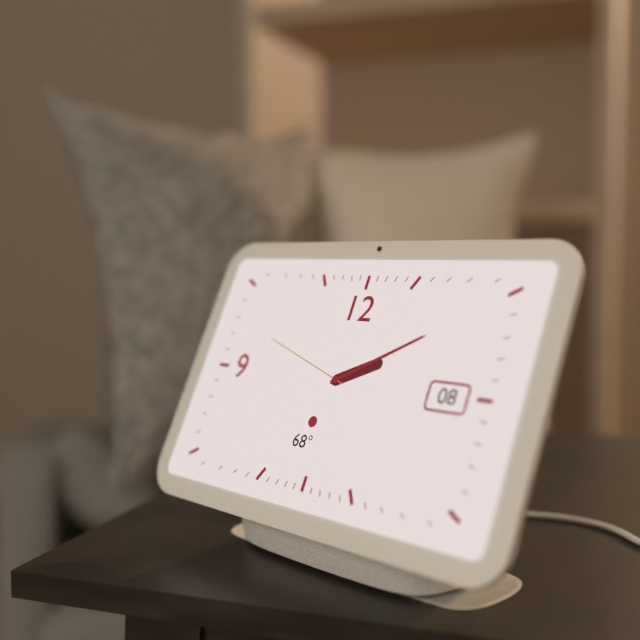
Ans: h=2 m=10 s=48
